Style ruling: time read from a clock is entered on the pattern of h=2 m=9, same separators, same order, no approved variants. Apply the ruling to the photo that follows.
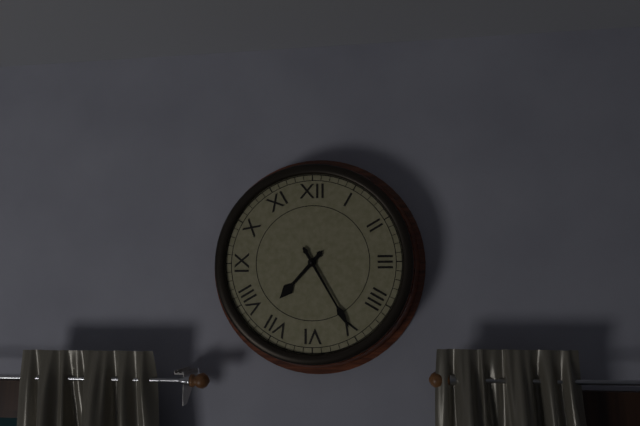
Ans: h=7 m=25
